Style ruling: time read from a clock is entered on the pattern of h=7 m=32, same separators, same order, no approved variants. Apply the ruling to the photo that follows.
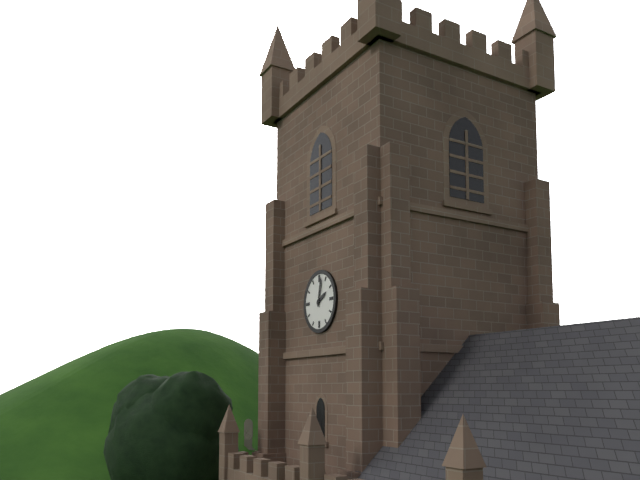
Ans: h=2 m=2
